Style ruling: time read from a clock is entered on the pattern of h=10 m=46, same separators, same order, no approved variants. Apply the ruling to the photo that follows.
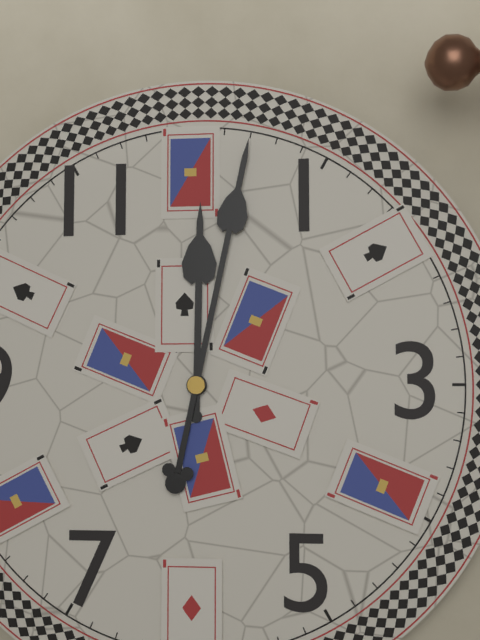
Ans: h=12 m=2
